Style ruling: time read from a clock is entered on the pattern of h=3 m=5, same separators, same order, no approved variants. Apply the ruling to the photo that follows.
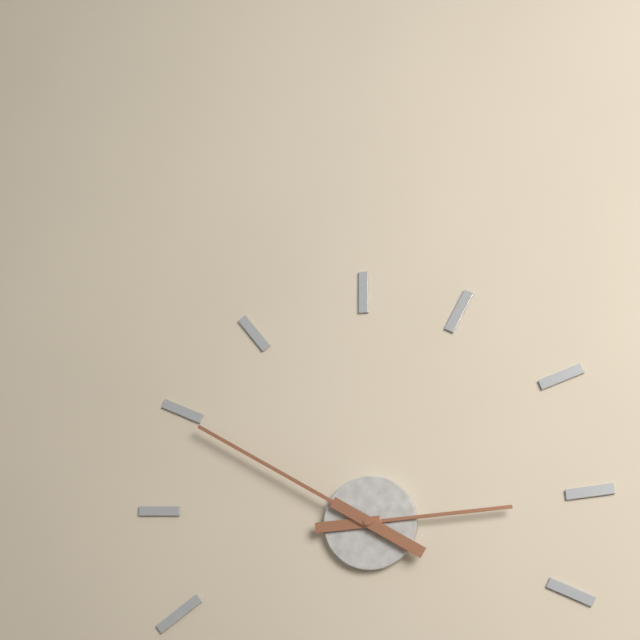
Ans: h=2 m=50
